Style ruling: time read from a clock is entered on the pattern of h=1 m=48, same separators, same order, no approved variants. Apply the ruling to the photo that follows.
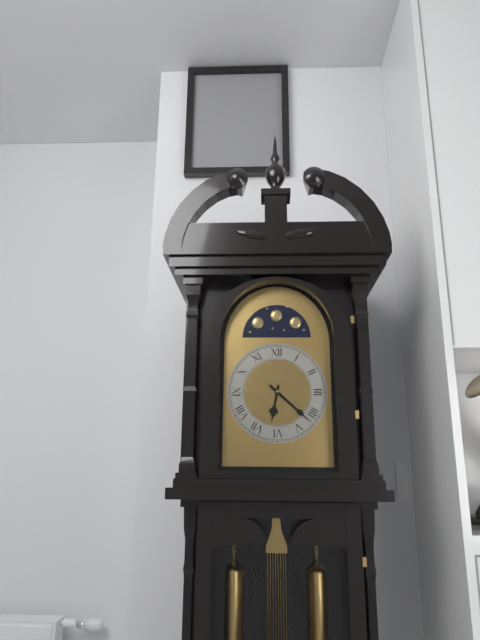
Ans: h=6 m=22
